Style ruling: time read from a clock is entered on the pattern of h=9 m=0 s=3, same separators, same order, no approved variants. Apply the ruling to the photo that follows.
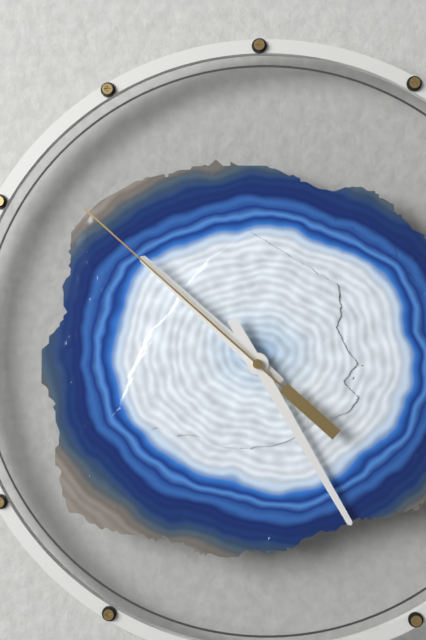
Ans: h=10 m=25 s=52
